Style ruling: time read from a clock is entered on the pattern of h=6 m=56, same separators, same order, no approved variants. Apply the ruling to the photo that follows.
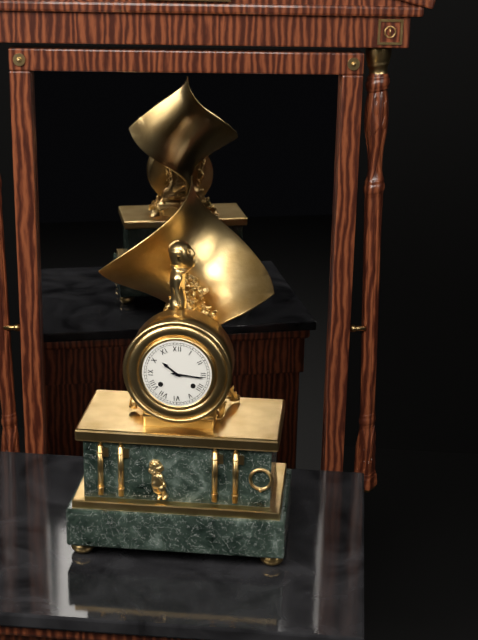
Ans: h=10 m=16
